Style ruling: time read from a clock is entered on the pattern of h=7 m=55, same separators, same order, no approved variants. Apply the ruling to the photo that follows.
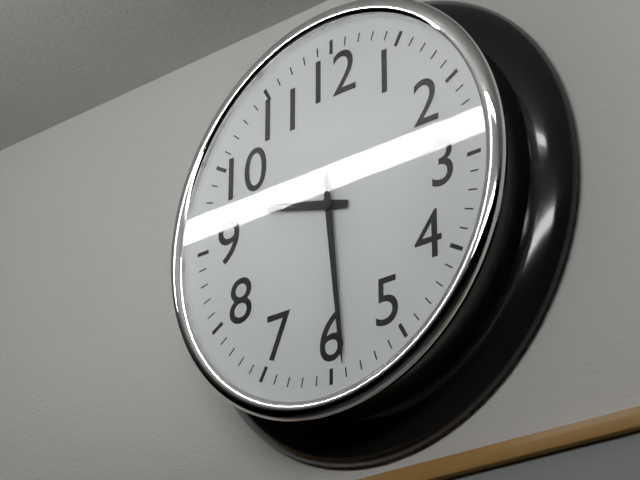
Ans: h=9 m=29
